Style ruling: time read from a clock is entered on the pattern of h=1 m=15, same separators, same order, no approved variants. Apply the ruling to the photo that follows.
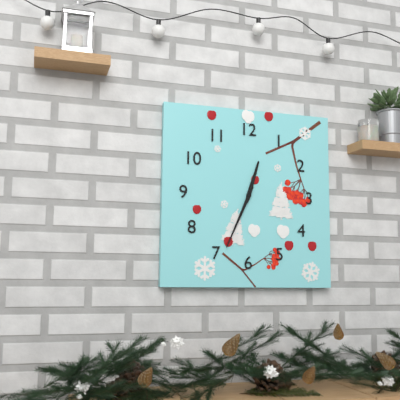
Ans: h=12 m=34
